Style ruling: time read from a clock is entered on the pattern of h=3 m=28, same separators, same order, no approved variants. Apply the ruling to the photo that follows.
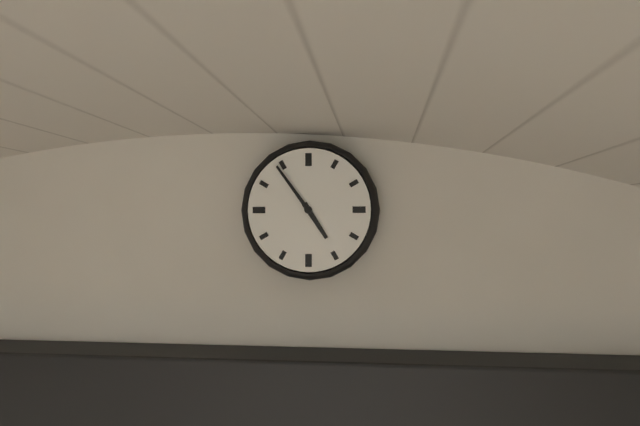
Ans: h=4 m=54
